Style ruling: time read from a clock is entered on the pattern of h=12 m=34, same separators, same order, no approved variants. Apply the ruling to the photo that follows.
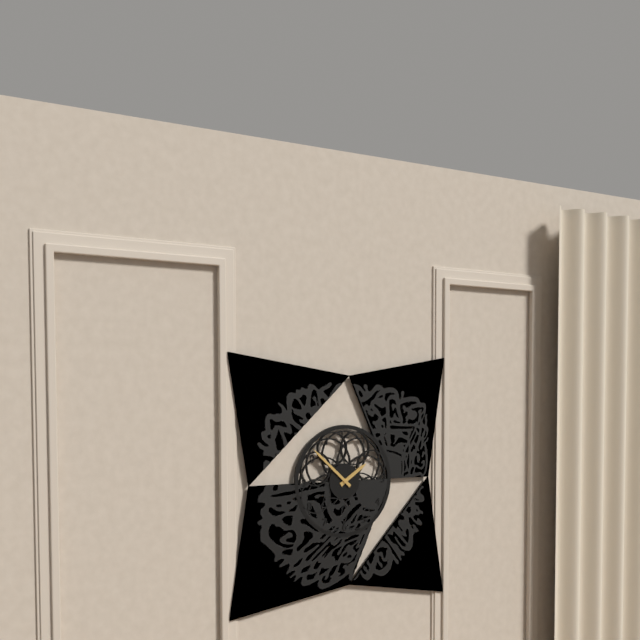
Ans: h=1 m=52
